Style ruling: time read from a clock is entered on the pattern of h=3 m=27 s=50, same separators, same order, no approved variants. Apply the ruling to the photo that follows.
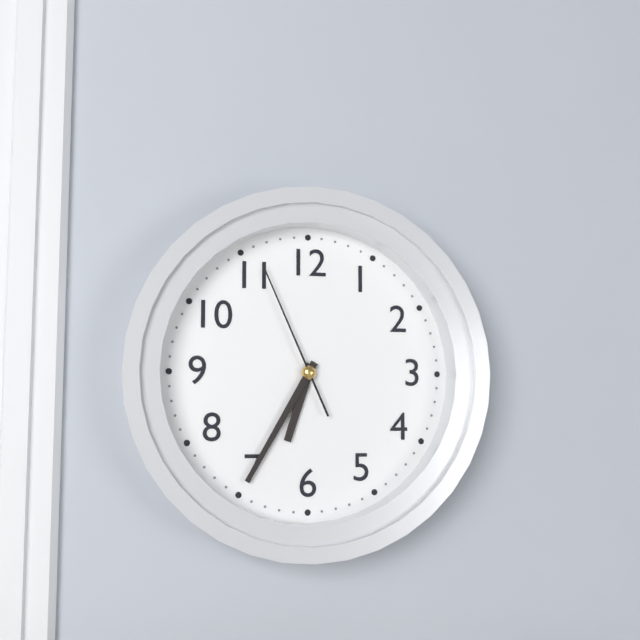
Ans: h=6 m=35 s=56
